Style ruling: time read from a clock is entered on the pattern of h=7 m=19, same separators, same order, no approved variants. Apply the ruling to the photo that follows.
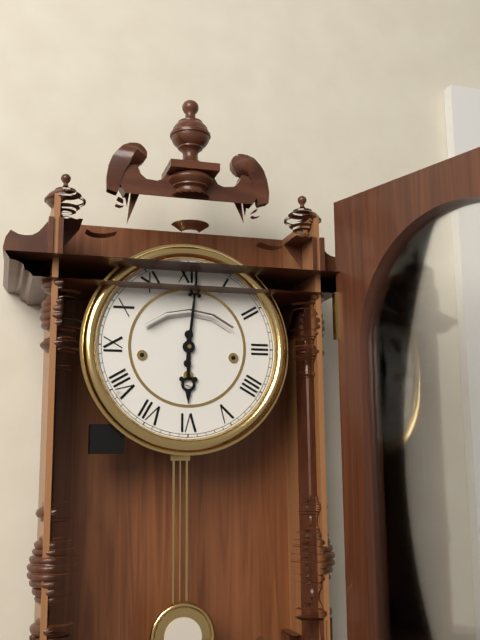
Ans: h=6 m=1
